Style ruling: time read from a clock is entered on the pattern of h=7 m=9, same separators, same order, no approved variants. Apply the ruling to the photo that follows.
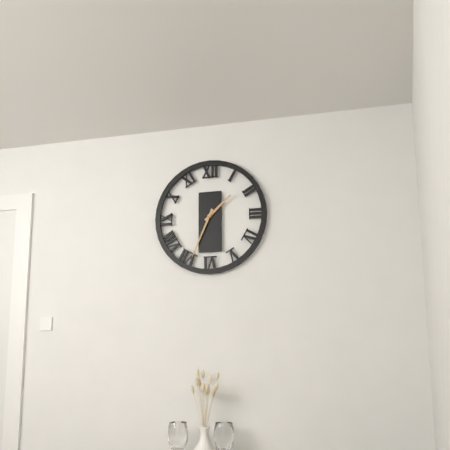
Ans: h=1 m=34
